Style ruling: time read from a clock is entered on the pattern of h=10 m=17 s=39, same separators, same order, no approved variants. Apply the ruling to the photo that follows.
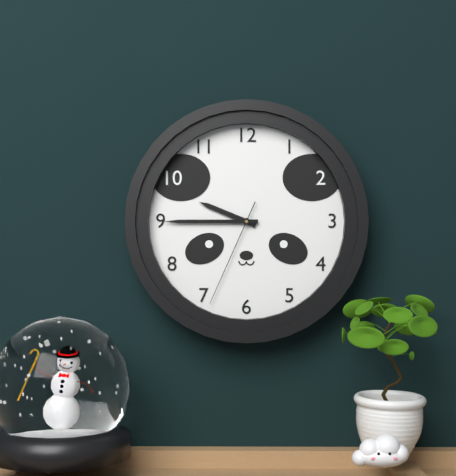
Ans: h=9 m=45 s=34
